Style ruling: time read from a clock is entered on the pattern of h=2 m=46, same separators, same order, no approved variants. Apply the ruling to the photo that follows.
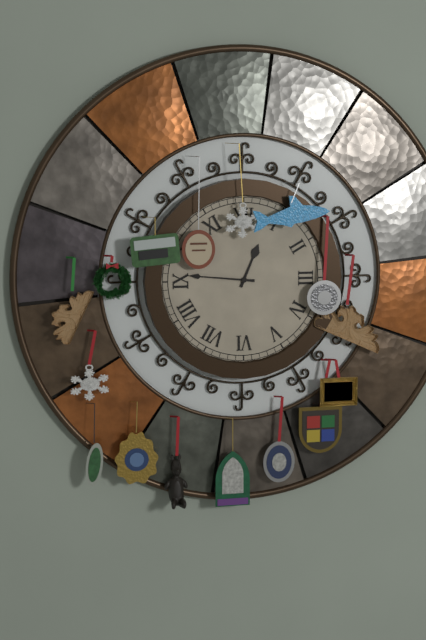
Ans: h=12 m=46
